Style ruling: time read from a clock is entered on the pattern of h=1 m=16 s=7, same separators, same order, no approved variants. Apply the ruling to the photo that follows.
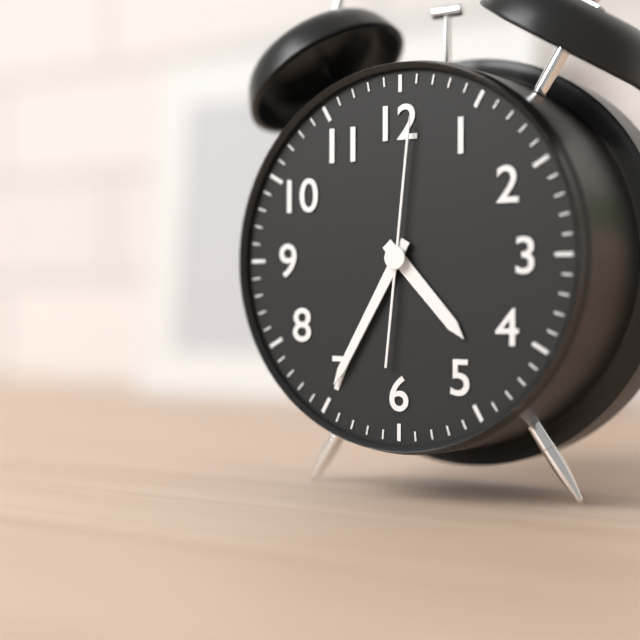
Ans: h=4 m=35 s=1
